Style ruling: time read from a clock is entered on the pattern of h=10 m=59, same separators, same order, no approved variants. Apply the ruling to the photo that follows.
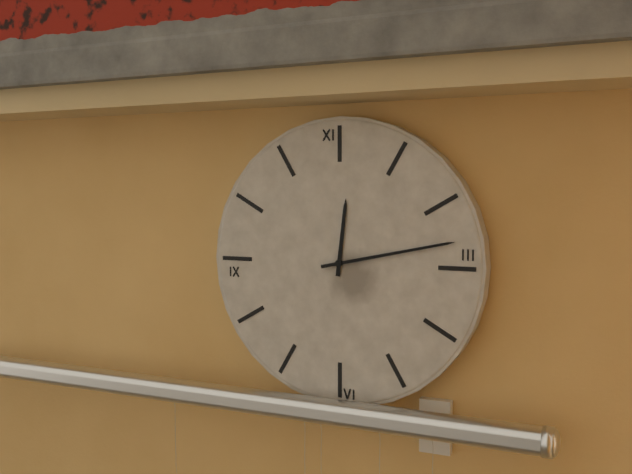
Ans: h=12 m=13
